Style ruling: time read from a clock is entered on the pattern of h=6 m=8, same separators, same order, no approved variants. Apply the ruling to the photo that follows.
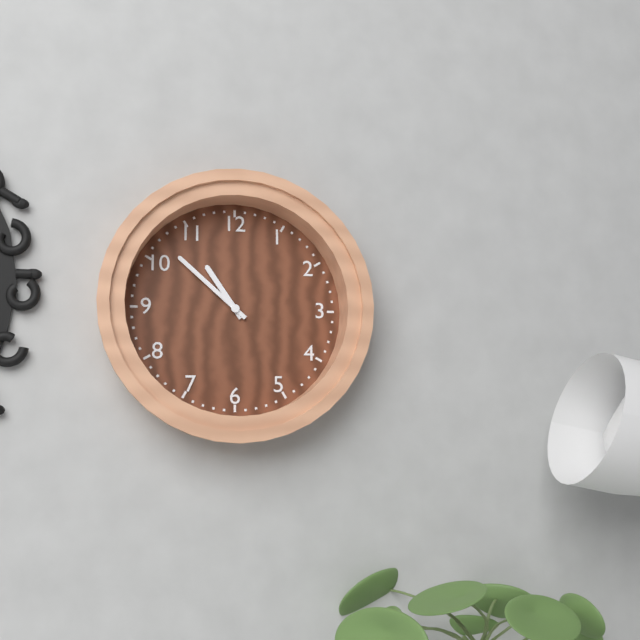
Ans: h=10 m=52
